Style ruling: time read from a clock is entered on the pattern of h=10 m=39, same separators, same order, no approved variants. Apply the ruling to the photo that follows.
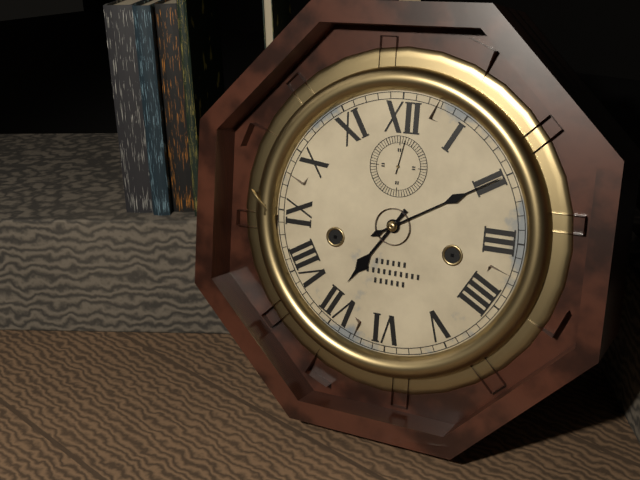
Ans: h=7 m=10
